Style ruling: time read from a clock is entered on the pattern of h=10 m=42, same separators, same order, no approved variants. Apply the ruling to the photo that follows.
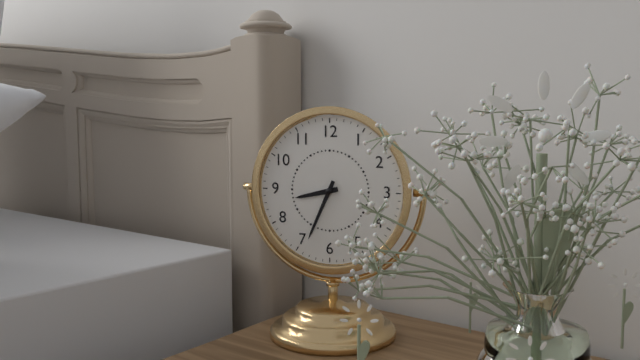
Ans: h=8 m=34
